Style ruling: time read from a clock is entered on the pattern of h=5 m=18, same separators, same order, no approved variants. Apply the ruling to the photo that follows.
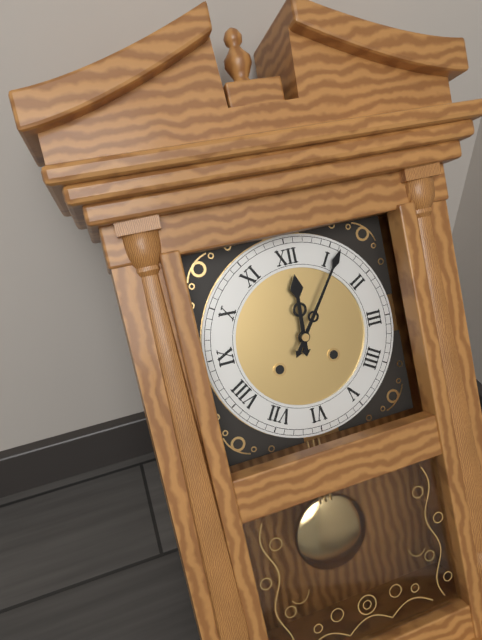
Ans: h=12 m=6
